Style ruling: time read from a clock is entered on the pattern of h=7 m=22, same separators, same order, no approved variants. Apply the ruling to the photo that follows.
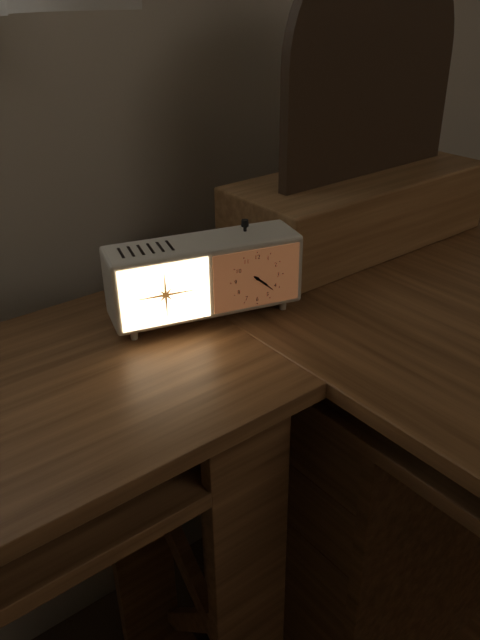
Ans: h=4 m=22
